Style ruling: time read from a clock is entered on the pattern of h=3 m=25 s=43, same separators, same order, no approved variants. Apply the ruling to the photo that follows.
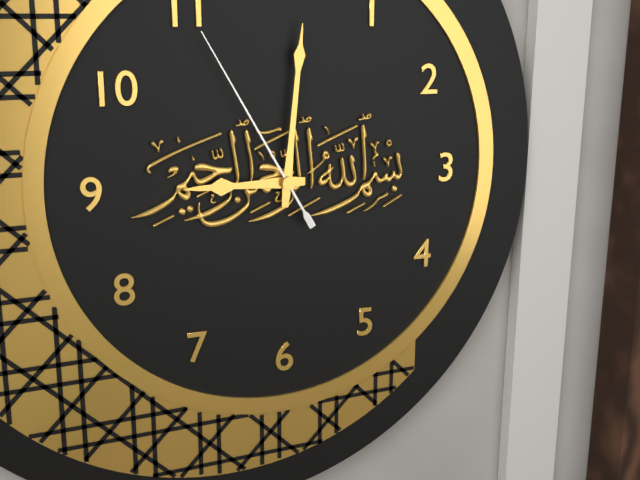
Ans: h=9 m=1 s=55
